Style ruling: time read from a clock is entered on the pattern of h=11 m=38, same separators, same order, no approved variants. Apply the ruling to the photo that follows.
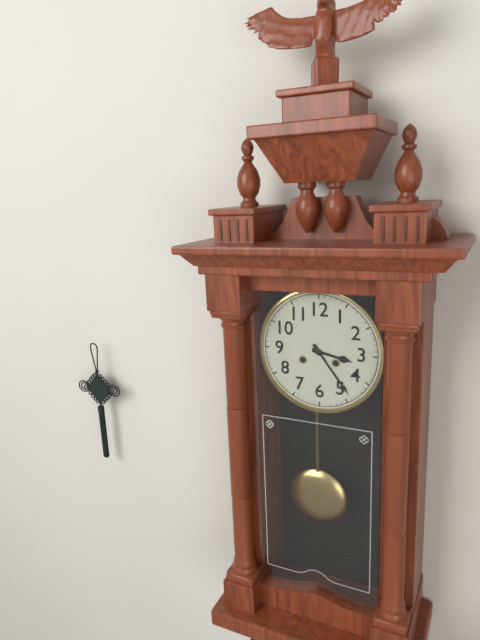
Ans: h=3 m=24
